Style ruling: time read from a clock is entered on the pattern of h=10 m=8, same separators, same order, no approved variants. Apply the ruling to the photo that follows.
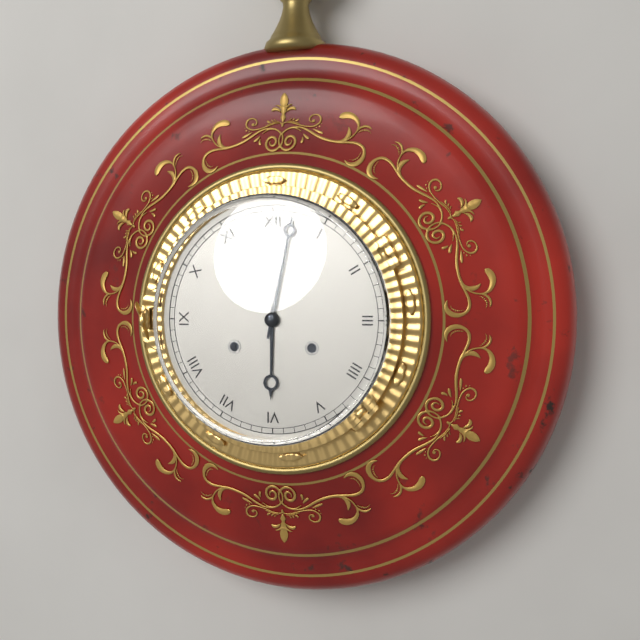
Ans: h=6 m=2
